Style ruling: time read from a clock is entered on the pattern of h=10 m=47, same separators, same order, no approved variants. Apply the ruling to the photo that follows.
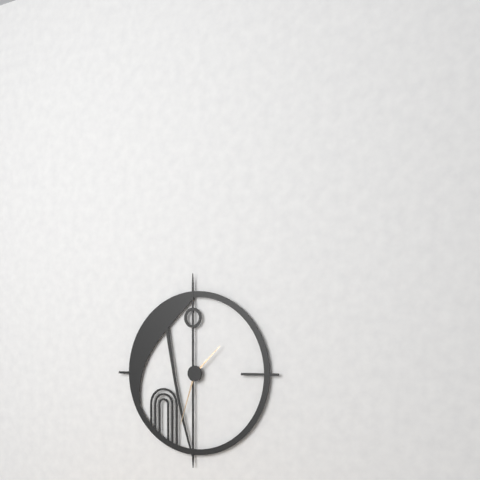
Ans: h=1 m=33
